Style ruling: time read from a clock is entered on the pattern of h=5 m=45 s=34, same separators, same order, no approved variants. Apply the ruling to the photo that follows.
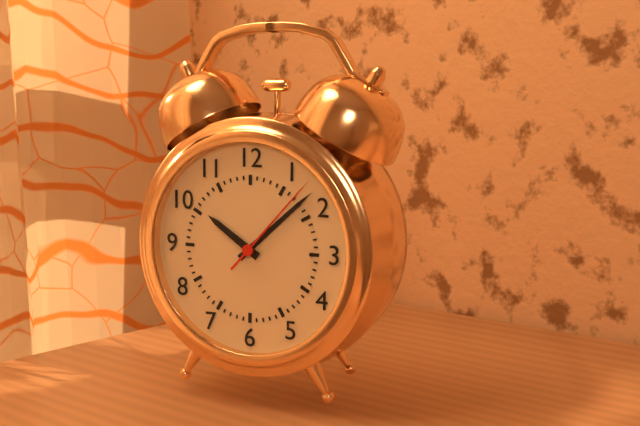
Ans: h=10 m=8 s=7
